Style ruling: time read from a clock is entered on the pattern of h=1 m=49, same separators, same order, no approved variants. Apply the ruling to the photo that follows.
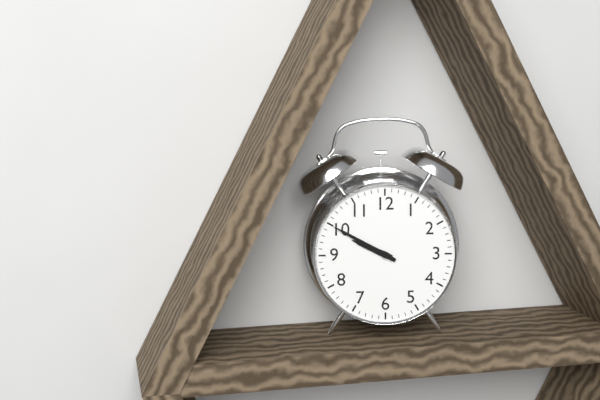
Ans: h=9 m=50
